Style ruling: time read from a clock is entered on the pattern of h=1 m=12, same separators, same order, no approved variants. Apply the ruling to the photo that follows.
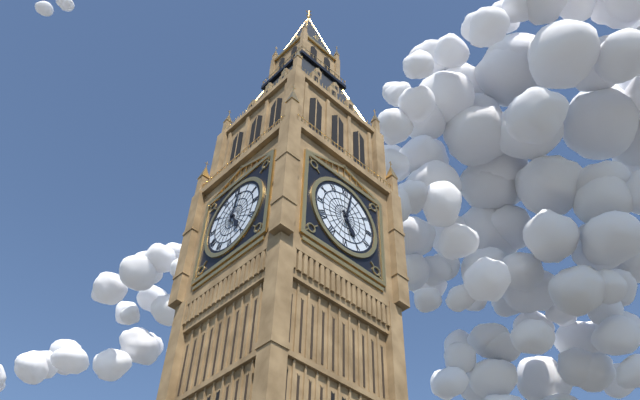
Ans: h=5 m=2
